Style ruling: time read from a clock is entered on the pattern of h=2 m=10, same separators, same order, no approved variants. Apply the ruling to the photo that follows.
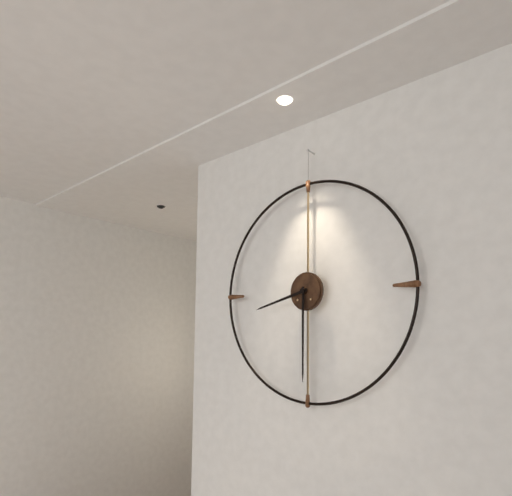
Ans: h=8 m=30
